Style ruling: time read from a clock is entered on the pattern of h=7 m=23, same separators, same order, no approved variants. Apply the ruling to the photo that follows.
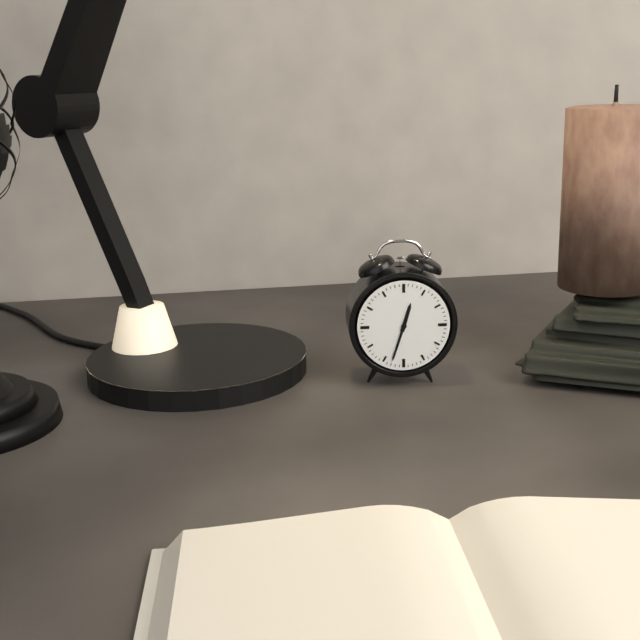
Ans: h=12 m=33
